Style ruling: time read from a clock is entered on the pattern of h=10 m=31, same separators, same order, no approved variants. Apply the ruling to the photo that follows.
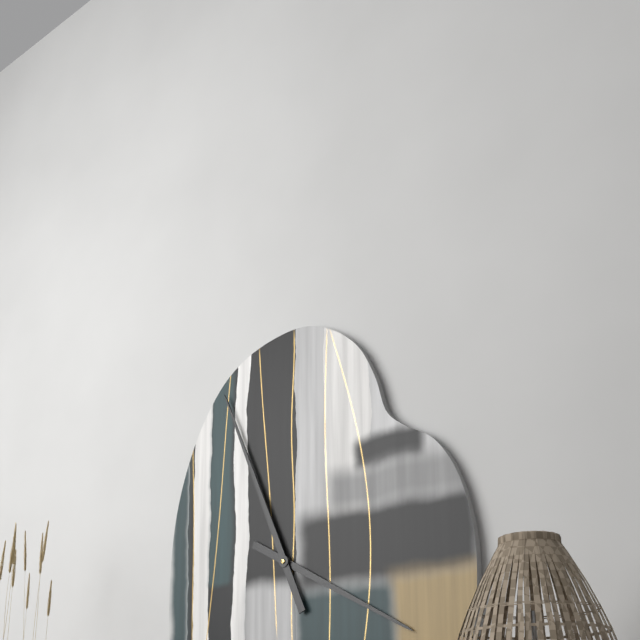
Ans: h=3 m=56
